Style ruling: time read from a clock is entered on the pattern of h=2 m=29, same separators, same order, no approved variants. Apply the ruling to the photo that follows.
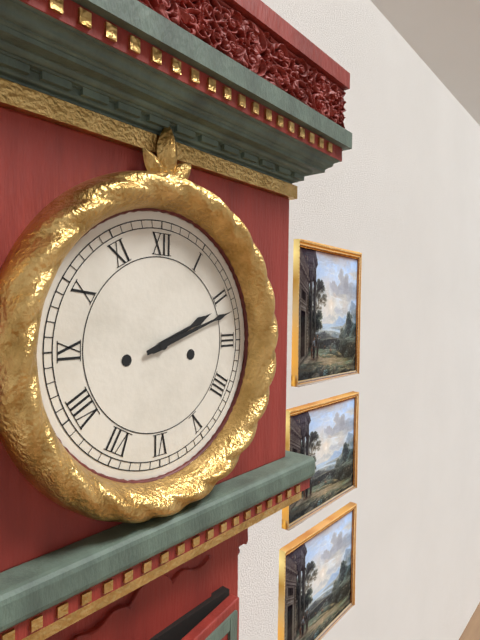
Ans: h=2 m=12
